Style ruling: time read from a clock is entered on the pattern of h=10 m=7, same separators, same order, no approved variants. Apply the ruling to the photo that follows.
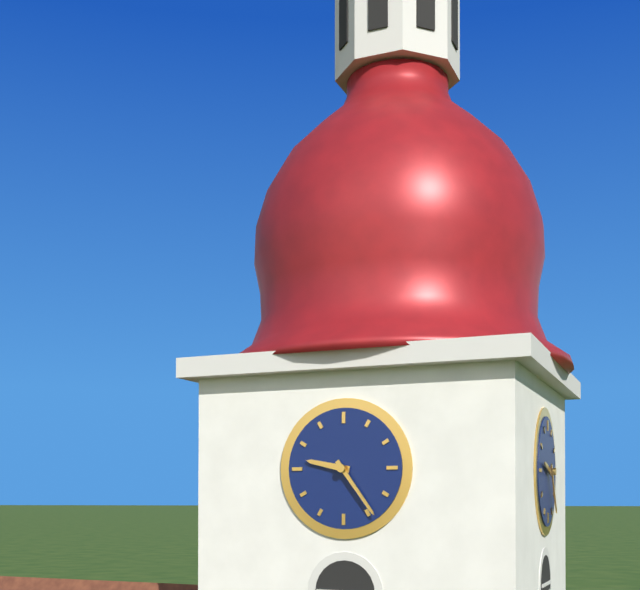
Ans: h=9 m=24
